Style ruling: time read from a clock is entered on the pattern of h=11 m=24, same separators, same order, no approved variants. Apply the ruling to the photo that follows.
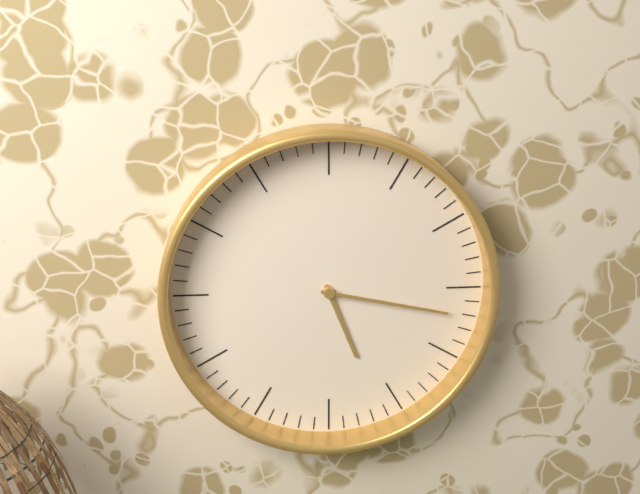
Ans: h=5 m=17
